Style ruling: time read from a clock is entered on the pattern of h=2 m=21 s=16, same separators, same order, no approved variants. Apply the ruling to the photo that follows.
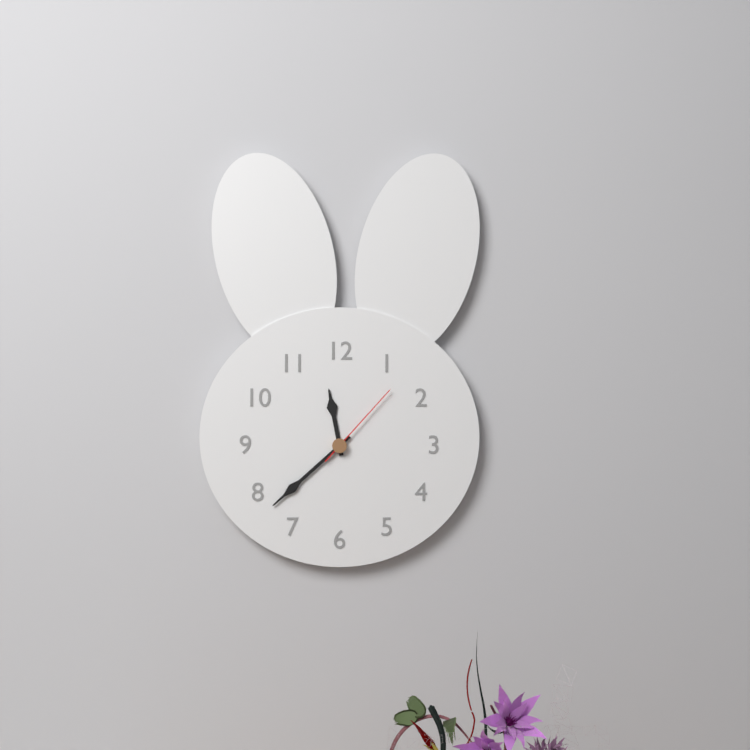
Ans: h=11 m=38 s=7
